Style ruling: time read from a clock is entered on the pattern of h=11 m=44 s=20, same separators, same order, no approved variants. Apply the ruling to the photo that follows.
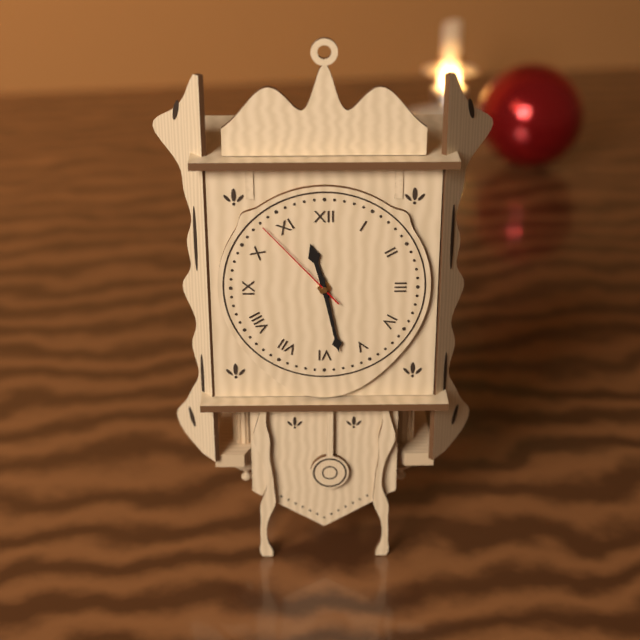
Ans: h=11 m=28 s=53
